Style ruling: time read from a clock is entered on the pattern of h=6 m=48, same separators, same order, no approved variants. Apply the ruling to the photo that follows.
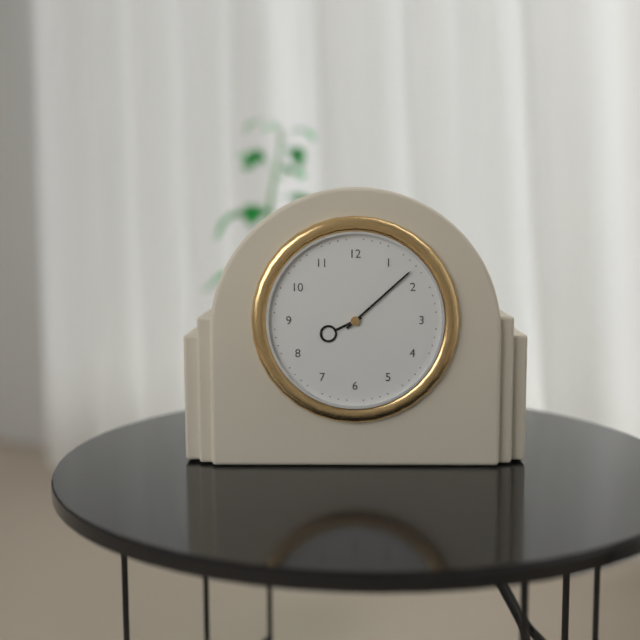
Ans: h=8 m=8
